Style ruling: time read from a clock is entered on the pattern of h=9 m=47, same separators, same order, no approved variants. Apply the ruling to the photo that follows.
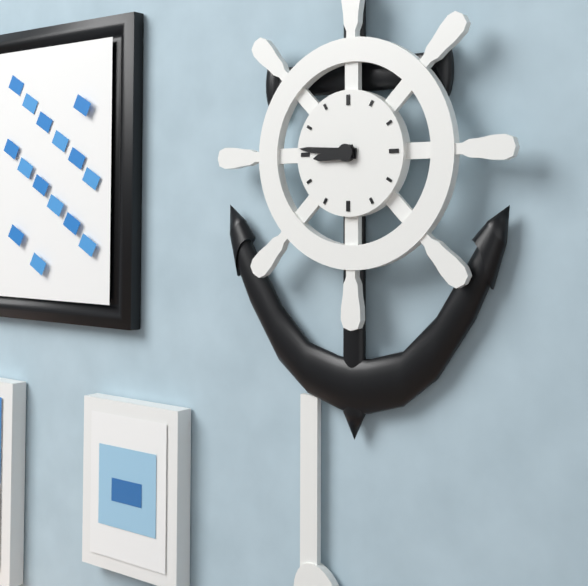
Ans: h=8 m=46
